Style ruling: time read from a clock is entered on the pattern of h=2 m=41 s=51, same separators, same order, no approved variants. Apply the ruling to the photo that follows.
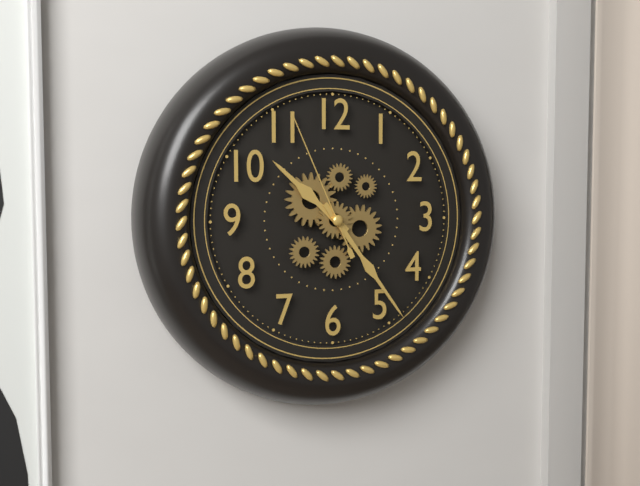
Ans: h=10 m=24 s=56
